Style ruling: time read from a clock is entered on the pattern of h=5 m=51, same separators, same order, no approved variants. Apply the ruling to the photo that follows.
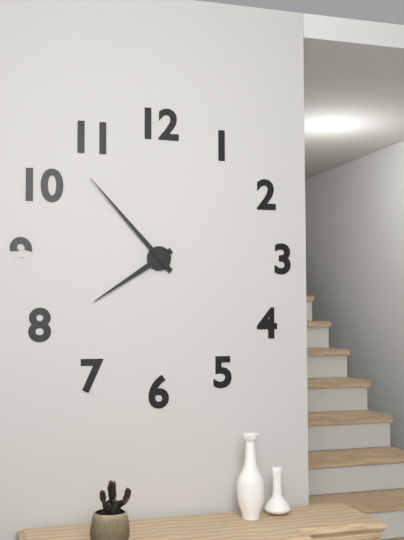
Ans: h=7 m=53
